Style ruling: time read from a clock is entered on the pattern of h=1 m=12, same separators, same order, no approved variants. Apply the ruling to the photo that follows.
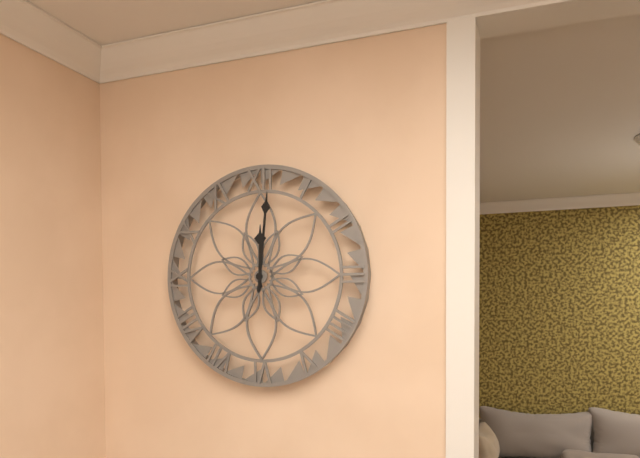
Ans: h=12 m=1
